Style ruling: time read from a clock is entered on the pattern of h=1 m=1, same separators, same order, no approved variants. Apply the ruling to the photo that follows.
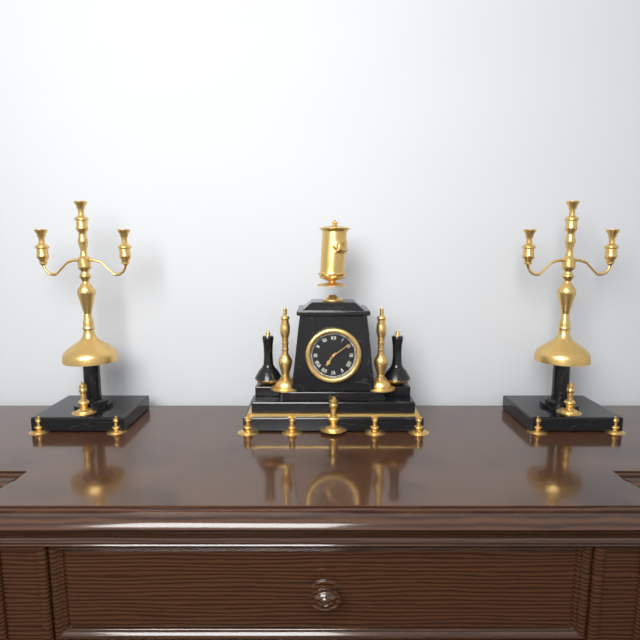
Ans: h=7 m=9
